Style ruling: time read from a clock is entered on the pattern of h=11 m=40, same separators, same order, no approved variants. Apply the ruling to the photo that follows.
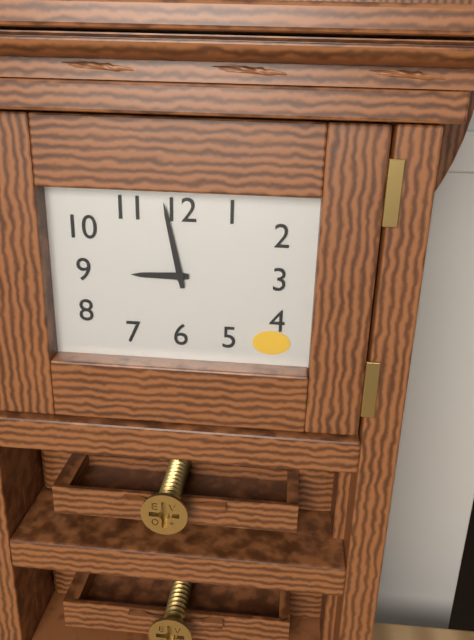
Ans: h=8 m=58
